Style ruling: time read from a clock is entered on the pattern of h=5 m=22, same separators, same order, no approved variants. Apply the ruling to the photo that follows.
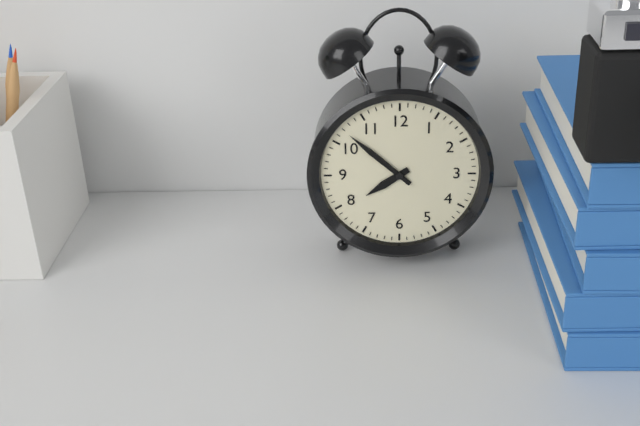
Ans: h=7 m=52
